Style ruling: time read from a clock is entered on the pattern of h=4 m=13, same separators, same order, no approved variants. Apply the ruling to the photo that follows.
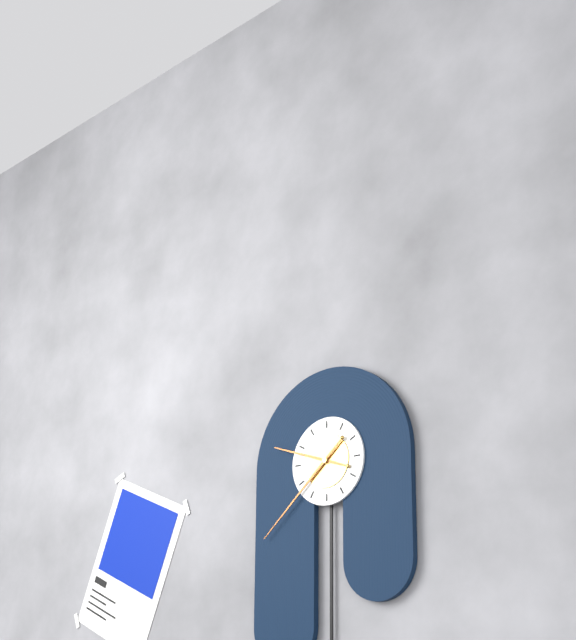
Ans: h=9 m=38
